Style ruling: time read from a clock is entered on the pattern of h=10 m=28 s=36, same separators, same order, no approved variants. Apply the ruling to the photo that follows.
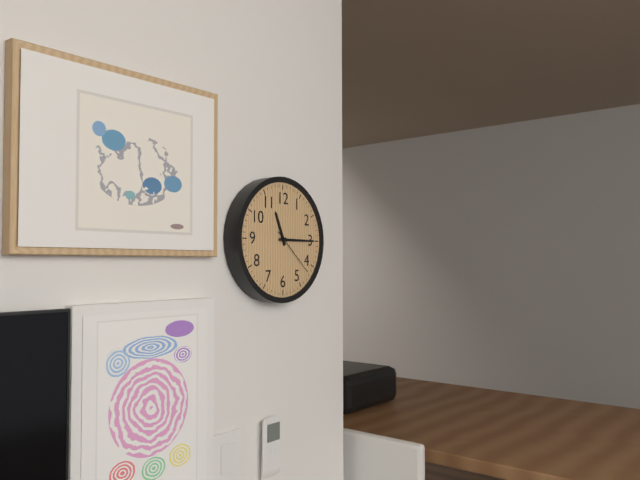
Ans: h=11 m=15 s=22
